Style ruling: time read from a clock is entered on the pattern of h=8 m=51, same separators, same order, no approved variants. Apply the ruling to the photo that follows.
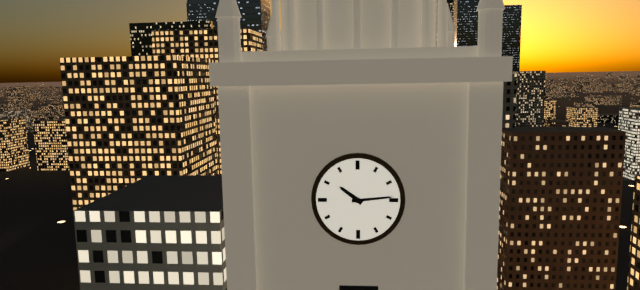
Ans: h=10 m=14
